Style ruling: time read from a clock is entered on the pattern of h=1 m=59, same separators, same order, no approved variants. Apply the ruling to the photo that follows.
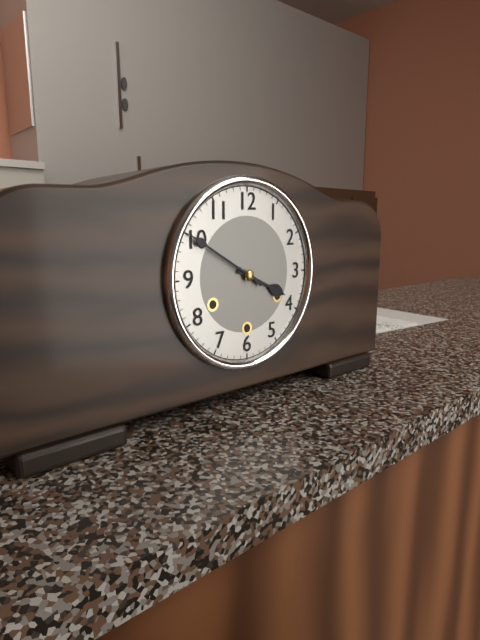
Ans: h=3 m=50
